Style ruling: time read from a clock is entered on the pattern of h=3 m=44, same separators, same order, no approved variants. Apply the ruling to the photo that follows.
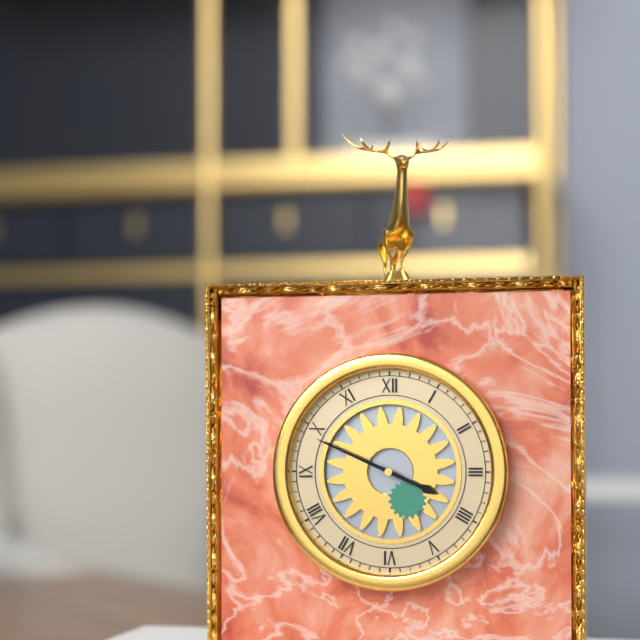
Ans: h=3 m=49
